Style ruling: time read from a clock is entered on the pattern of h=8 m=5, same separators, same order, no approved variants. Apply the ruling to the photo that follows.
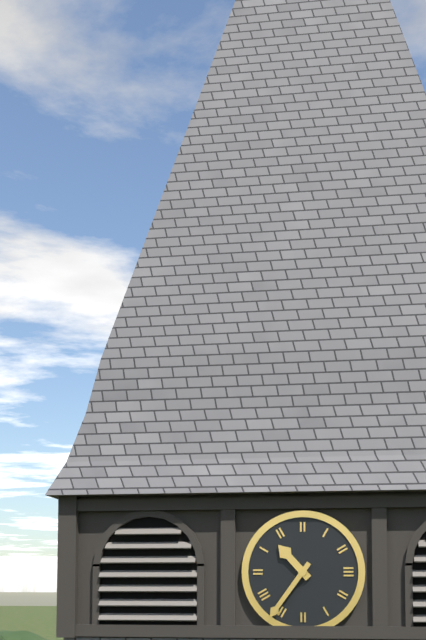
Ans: h=10 m=36
